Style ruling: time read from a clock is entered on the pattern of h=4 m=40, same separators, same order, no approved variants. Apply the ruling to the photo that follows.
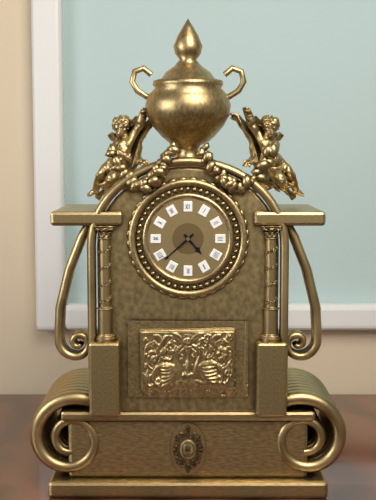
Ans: h=4 m=38
